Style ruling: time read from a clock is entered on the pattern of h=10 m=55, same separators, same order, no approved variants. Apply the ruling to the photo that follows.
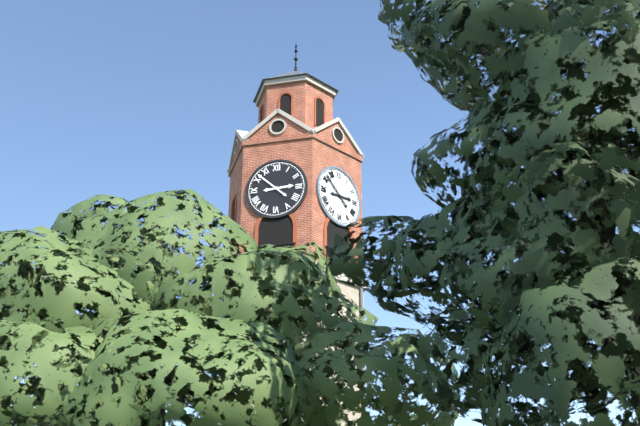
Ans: h=2 m=52
